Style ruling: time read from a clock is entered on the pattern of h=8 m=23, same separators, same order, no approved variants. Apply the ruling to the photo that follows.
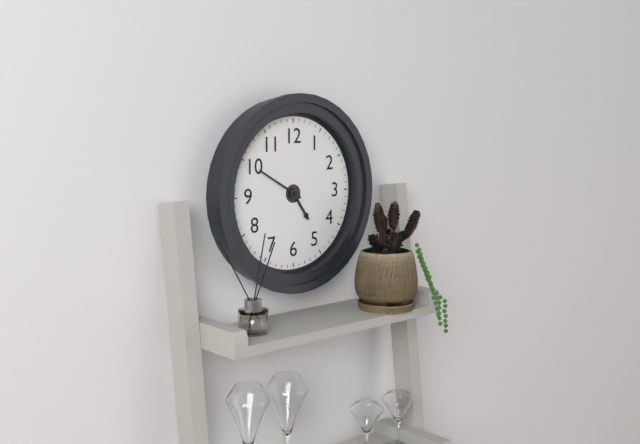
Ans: h=4 m=50
